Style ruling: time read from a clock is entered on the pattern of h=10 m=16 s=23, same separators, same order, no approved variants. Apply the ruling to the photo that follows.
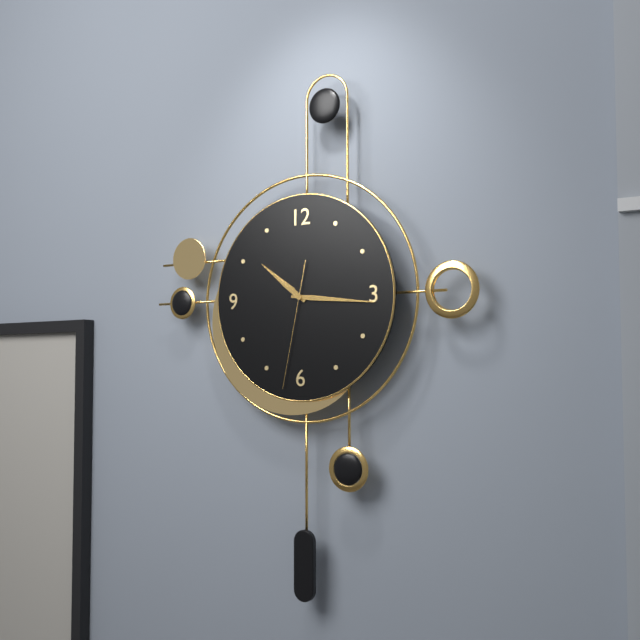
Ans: h=10 m=16 s=32
